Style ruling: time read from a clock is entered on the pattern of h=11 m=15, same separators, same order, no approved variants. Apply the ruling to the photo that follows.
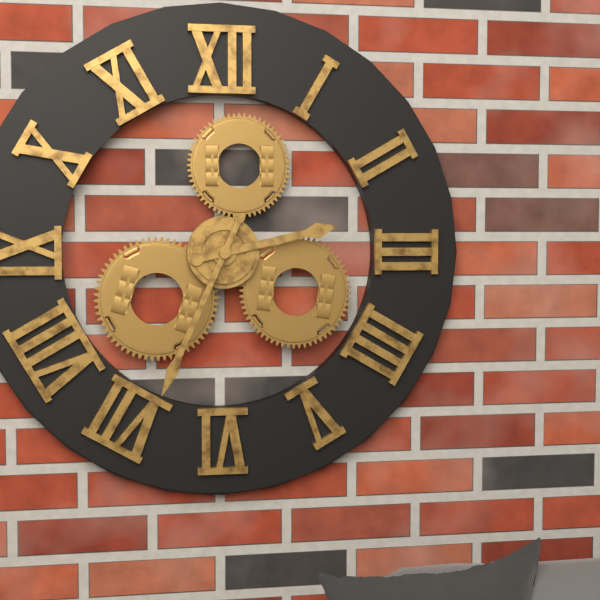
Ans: h=2 m=34
